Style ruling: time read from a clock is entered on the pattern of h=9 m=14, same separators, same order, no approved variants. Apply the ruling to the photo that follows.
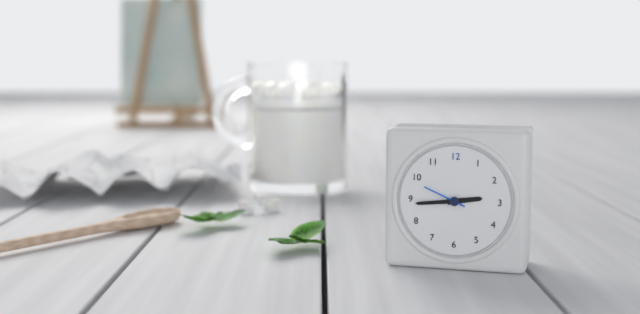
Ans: h=2 m=44
